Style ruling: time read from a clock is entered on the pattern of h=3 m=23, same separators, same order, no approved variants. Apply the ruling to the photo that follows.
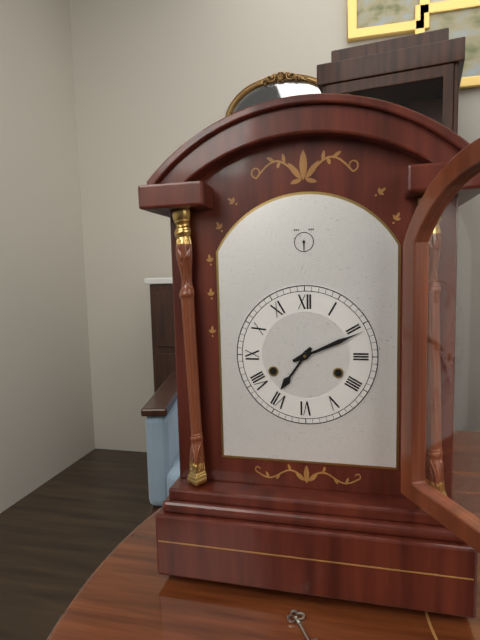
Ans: h=7 m=11
